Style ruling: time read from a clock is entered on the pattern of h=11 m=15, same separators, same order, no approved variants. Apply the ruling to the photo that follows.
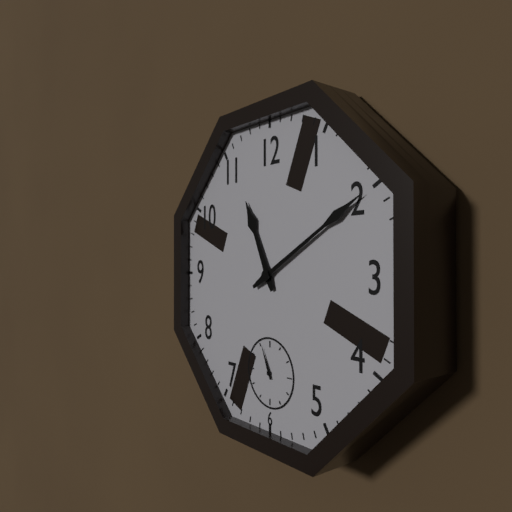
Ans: h=11 m=10
